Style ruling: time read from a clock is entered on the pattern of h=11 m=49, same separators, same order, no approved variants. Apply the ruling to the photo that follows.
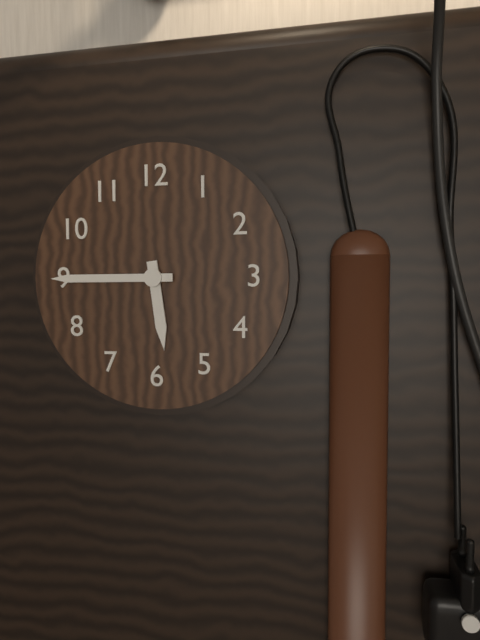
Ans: h=5 m=45
